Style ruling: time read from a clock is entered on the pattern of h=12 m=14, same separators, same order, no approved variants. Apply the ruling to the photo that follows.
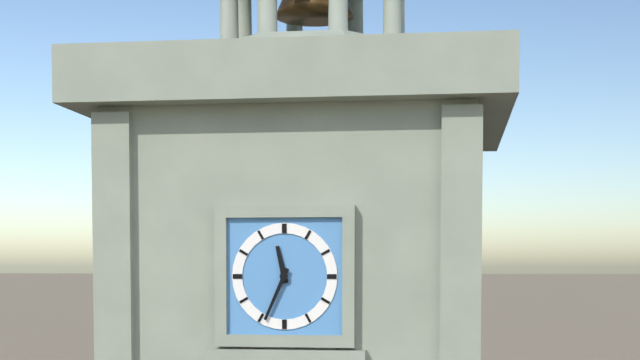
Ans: h=11 m=34
